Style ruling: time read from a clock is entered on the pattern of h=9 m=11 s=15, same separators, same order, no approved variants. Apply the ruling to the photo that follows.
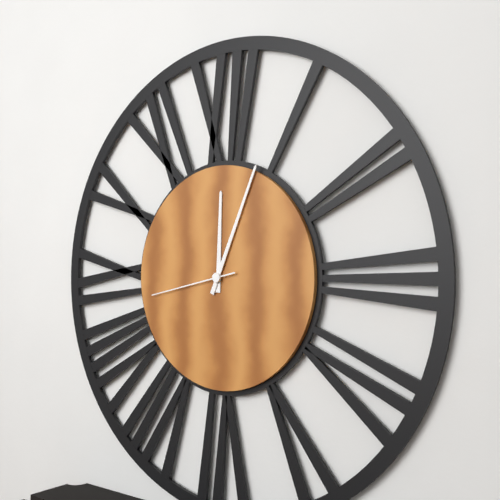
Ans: h=12 m=4 s=43
